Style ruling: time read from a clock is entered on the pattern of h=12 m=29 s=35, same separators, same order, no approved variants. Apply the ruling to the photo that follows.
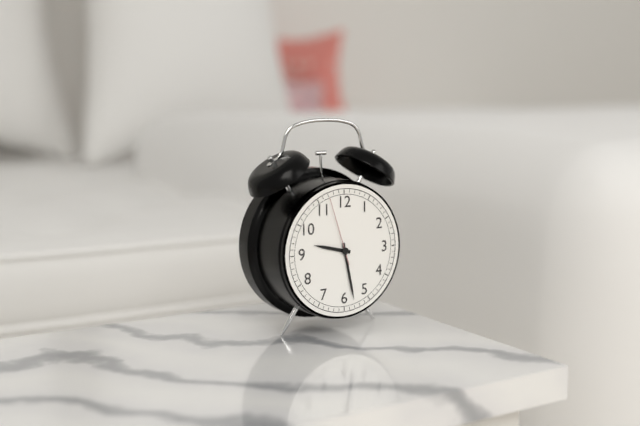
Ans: h=9 m=28 s=57
